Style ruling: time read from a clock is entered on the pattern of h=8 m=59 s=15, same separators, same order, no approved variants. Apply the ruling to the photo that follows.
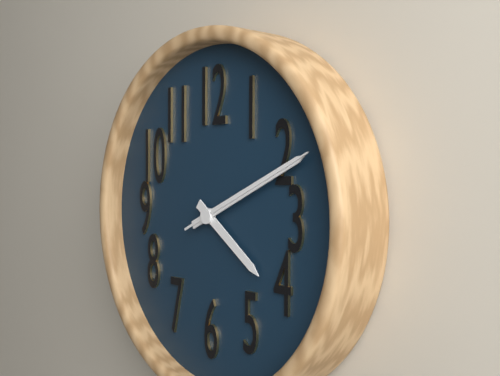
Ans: h=4 m=11 s=11
